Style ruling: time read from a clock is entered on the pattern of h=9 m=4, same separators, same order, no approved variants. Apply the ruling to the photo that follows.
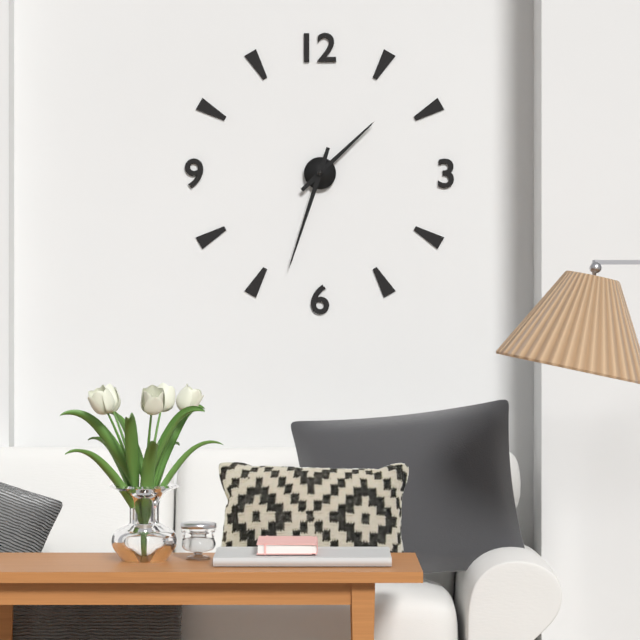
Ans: h=1 m=33
